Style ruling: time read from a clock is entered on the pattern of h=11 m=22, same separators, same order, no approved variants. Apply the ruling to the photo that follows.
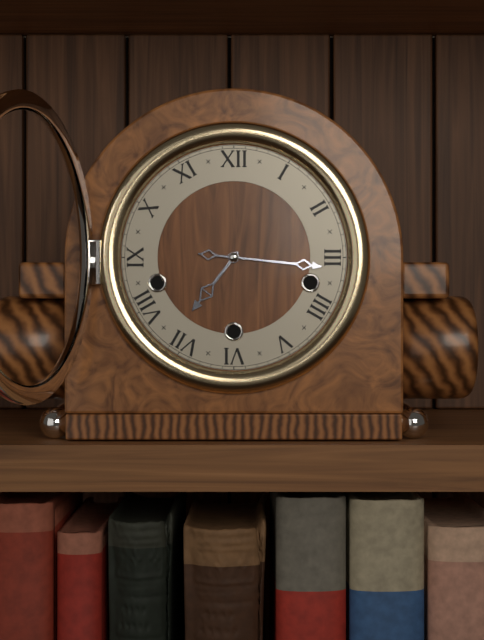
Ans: h=7 m=16
